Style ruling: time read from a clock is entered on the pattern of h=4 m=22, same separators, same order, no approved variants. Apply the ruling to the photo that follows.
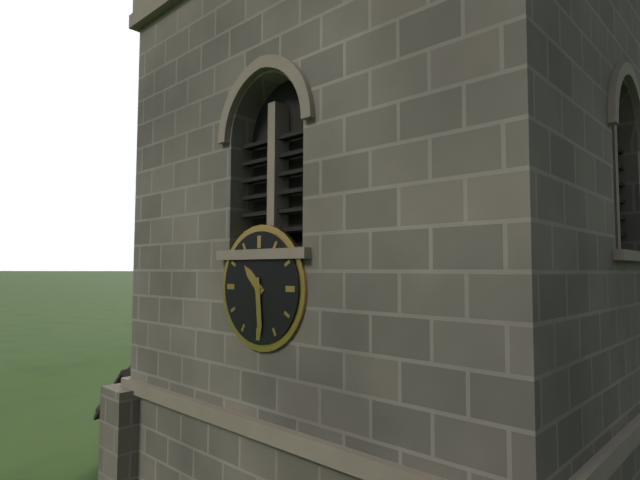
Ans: h=10 m=29
